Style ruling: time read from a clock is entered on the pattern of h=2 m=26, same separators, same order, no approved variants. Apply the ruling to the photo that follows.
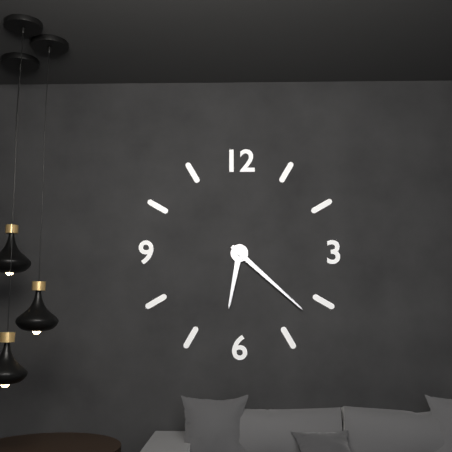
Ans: h=6 m=22
